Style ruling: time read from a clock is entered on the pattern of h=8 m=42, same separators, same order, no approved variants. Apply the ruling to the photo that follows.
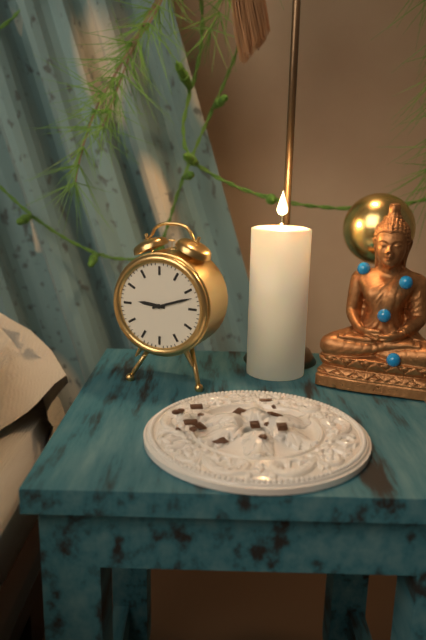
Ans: h=9 m=12
